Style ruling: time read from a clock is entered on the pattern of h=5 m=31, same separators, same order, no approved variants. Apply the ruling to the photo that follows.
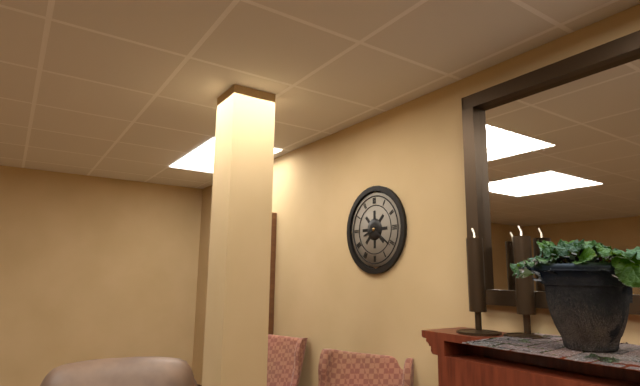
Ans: h=8 m=21
